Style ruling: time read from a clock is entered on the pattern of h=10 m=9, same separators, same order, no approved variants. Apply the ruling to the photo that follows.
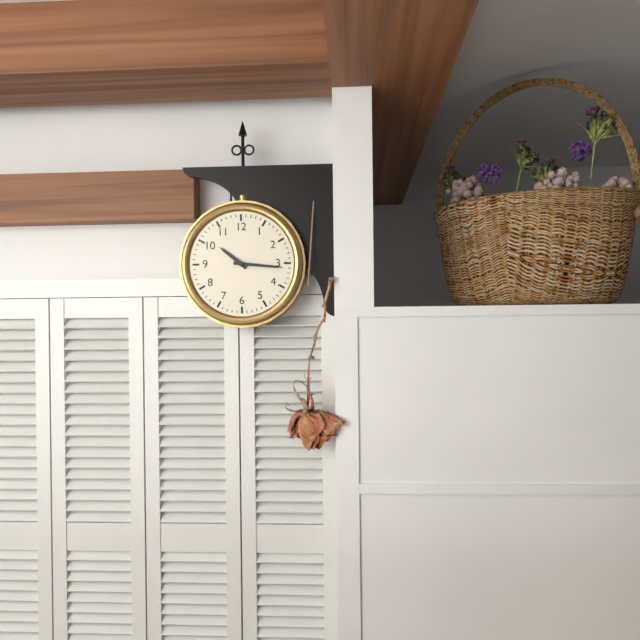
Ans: h=10 m=16
